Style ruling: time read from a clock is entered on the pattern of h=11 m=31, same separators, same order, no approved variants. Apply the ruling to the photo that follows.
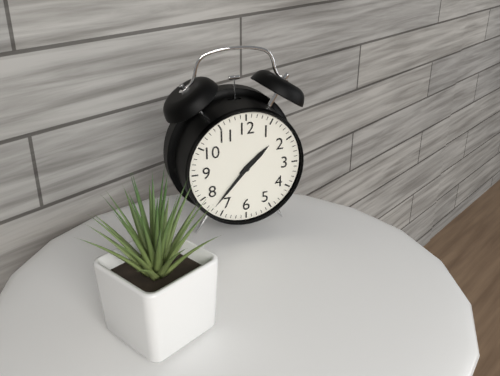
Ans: h=1 m=37
